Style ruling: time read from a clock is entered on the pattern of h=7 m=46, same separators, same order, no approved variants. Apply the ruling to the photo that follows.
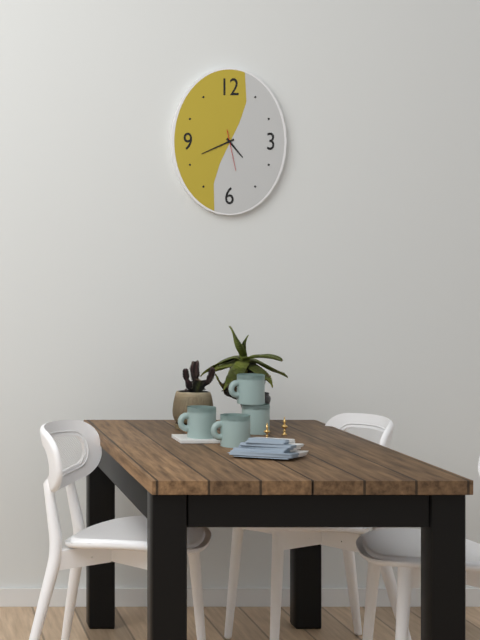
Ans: h=4 m=41
